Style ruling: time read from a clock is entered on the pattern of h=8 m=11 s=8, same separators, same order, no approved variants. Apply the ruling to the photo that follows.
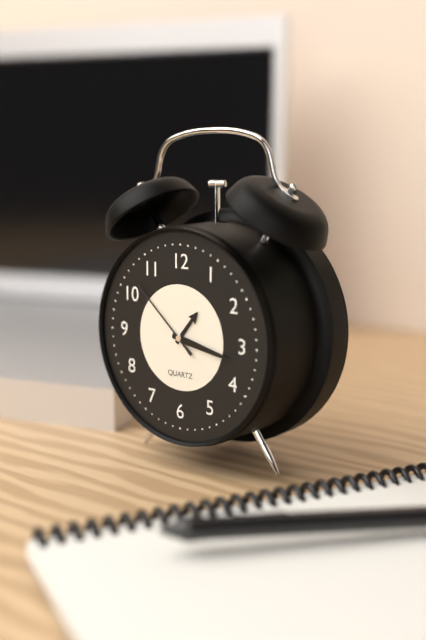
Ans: h=1 m=17 s=52
